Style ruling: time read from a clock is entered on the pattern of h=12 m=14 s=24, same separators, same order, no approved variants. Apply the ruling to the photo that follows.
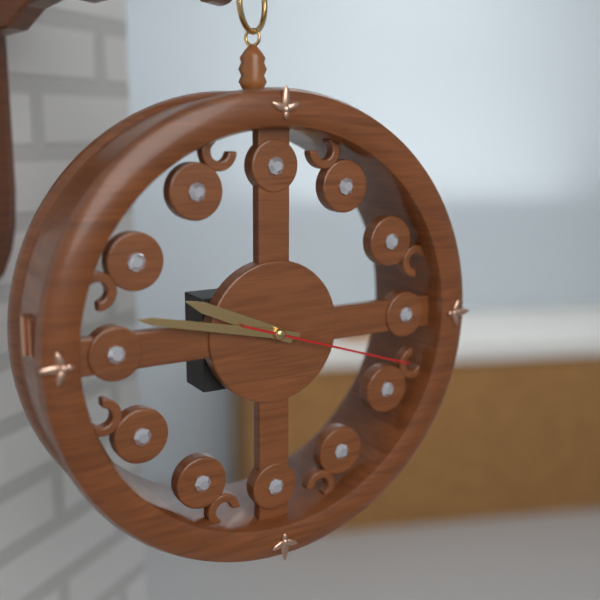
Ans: h=9 m=47 s=18
